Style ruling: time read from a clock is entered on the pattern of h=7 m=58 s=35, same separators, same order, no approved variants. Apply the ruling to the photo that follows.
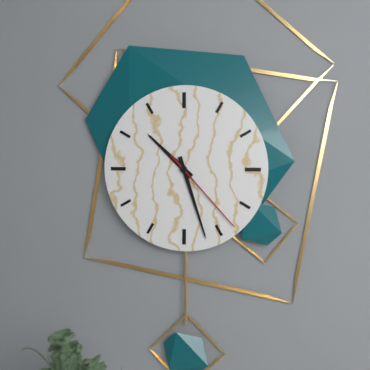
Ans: h=10 m=27 s=23
